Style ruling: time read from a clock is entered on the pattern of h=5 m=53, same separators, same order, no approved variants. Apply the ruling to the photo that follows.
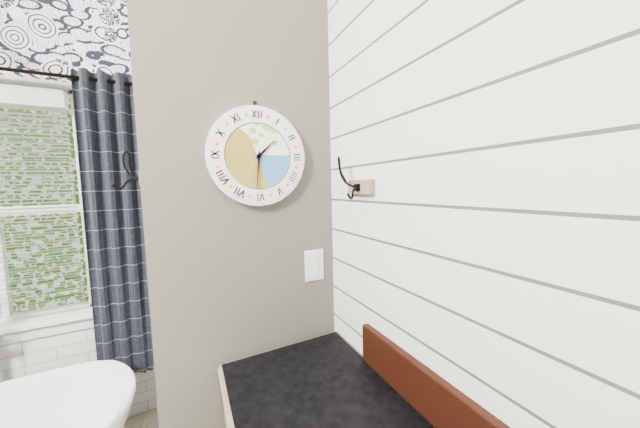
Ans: h=1 m=31
